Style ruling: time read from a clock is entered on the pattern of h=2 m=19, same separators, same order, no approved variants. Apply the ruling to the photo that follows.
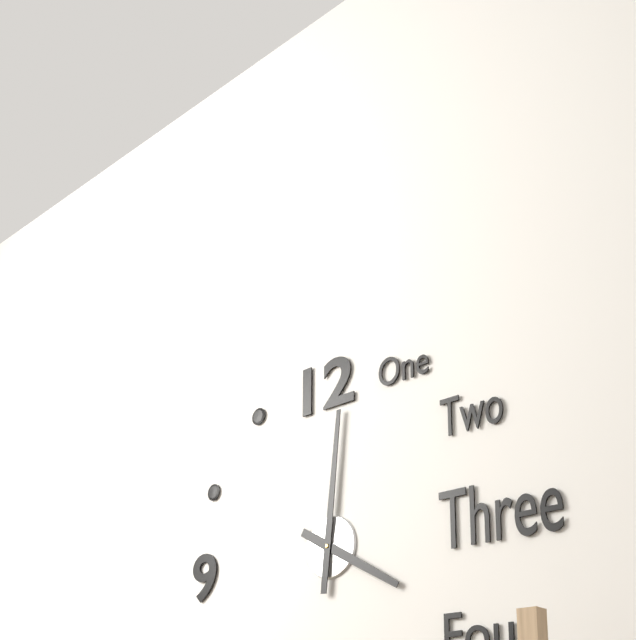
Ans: h=4 m=1
